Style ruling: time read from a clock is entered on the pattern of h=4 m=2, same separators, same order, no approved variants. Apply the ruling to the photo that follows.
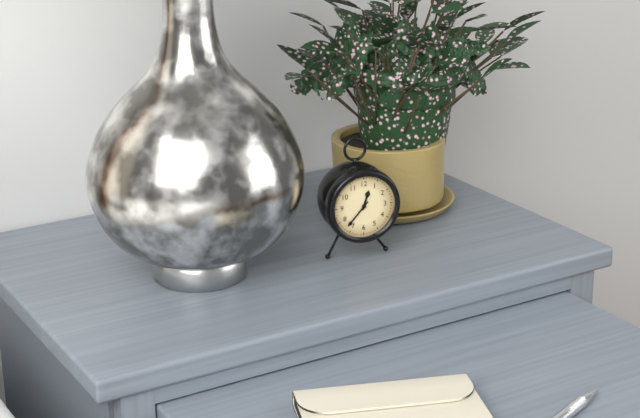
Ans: h=12 m=37
